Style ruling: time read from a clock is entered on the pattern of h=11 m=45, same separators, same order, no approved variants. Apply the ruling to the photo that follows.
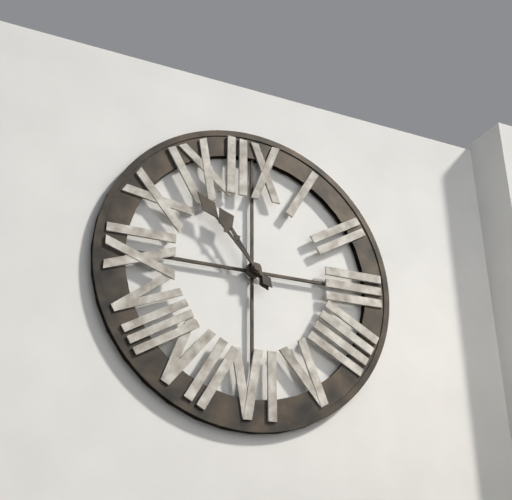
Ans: h=10 m=53
